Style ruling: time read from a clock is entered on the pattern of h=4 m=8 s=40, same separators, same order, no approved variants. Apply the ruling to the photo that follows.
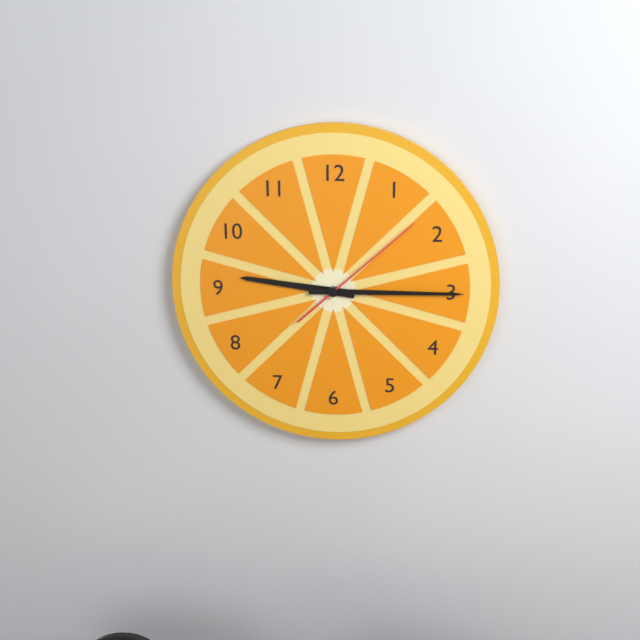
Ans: h=9 m=15 s=8
